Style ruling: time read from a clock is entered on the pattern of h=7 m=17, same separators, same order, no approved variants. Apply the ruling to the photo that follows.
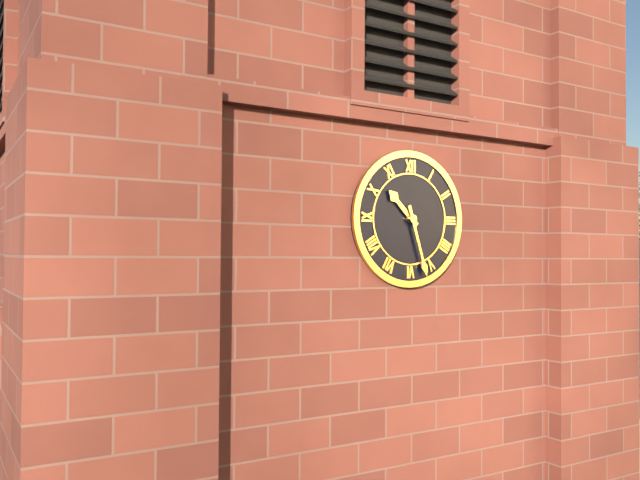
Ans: h=10 m=27
